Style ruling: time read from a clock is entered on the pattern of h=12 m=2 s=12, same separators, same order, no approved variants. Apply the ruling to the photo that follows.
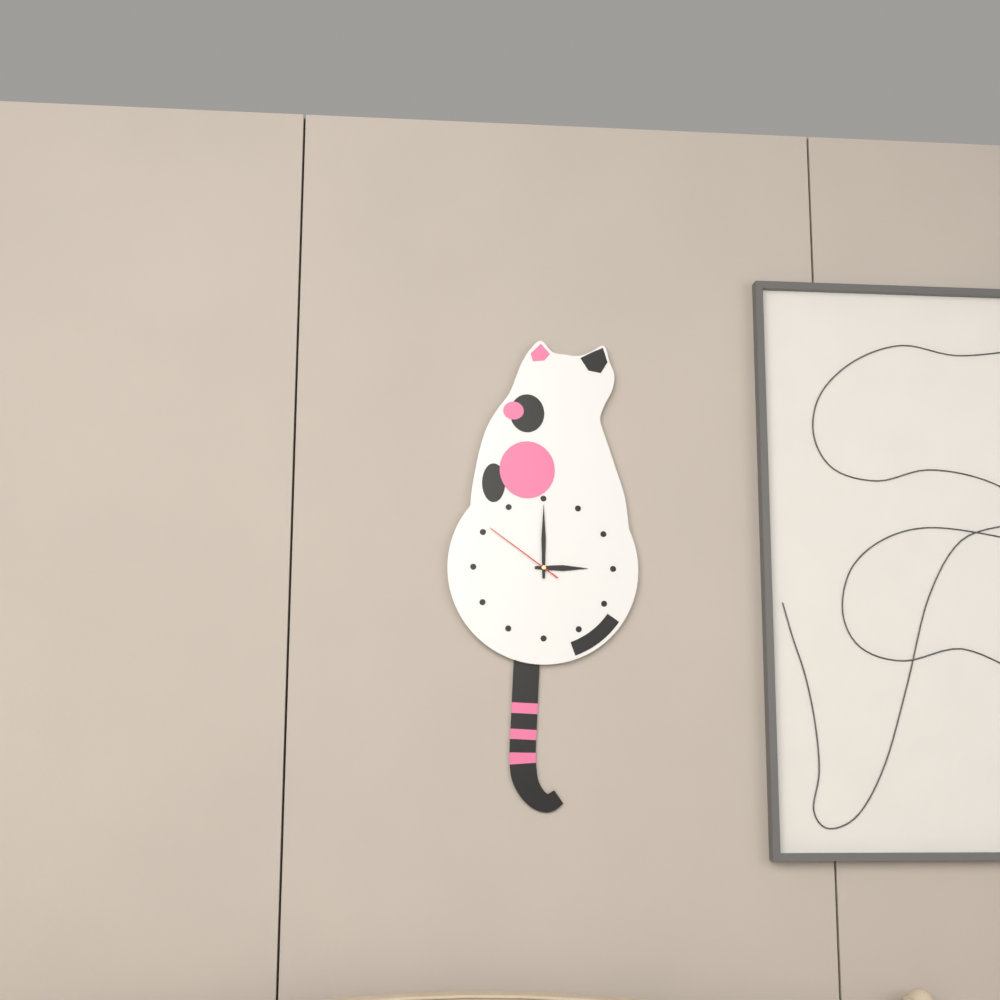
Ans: h=3 m=0 s=51
